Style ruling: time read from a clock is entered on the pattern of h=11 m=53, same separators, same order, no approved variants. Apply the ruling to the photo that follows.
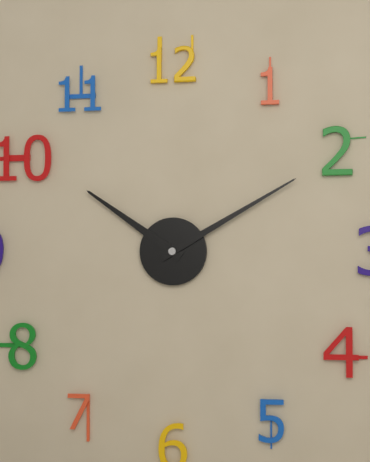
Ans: h=10 m=10
